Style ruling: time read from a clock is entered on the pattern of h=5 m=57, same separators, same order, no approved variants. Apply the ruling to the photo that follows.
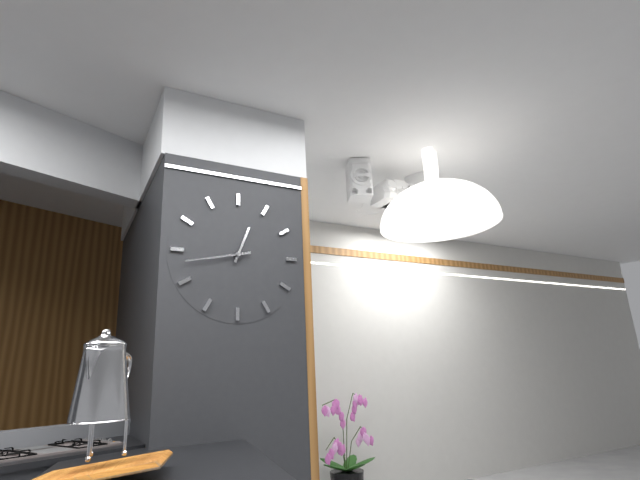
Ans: h=12 m=43
